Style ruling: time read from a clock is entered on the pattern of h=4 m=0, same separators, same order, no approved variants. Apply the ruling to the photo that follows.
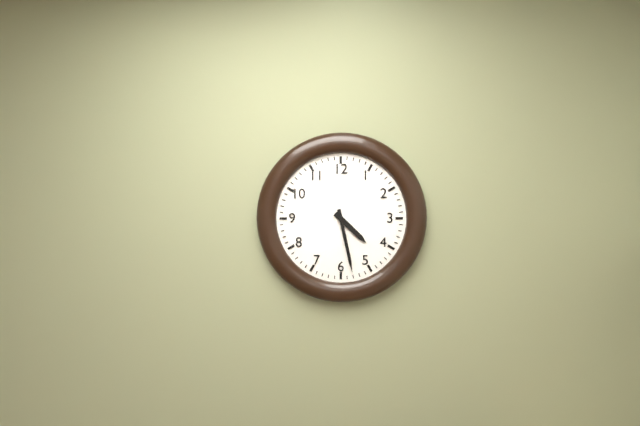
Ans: h=4 m=28
